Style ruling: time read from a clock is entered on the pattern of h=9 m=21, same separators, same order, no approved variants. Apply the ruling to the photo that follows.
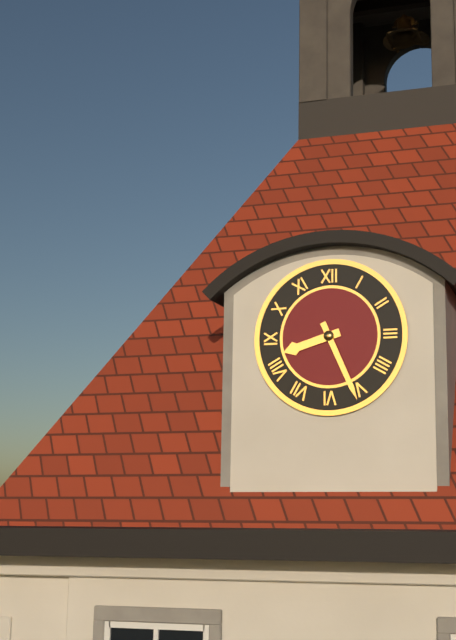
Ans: h=8 m=26
